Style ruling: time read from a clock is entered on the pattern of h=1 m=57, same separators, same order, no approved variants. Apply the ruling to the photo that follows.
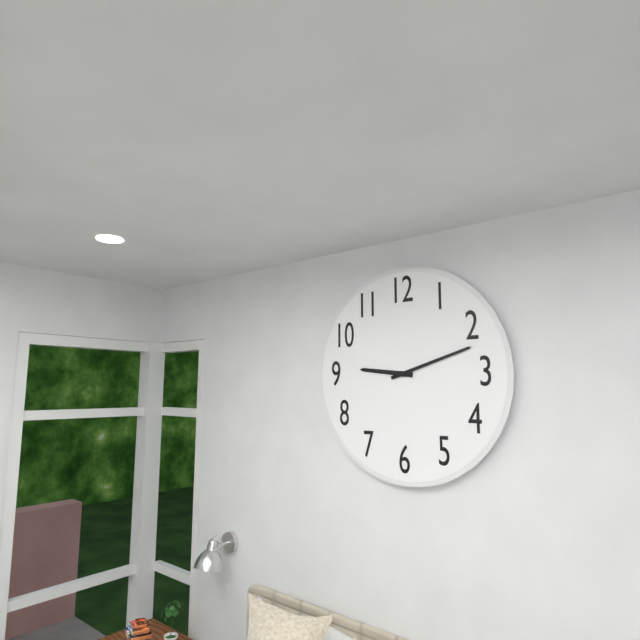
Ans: h=9 m=12
